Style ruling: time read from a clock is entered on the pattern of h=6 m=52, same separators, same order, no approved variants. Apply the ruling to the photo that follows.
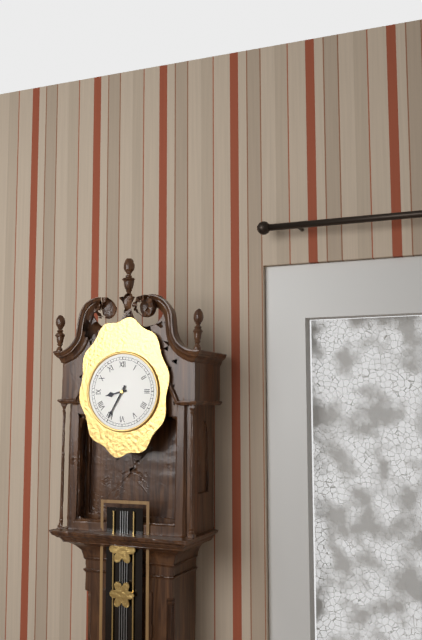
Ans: h=8 m=35
